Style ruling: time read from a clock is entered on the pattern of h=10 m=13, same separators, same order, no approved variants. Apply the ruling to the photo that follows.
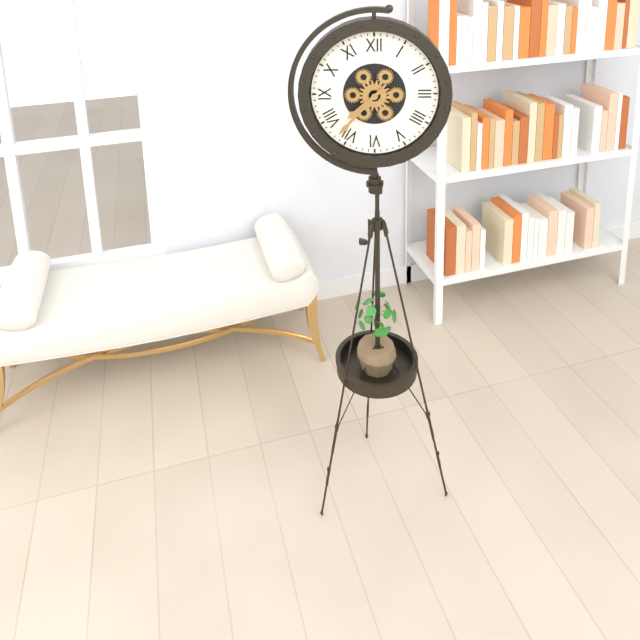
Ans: h=7 m=37
